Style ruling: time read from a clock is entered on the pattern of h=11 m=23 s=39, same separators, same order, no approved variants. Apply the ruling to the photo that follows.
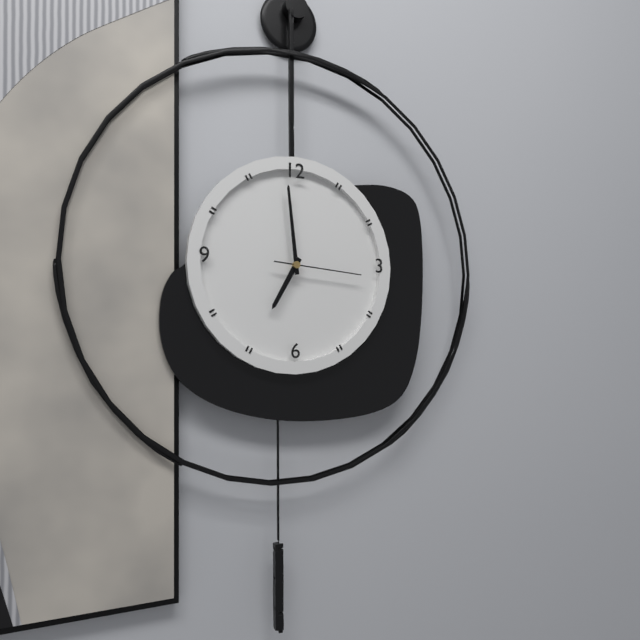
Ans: h=6 m=59 s=16
